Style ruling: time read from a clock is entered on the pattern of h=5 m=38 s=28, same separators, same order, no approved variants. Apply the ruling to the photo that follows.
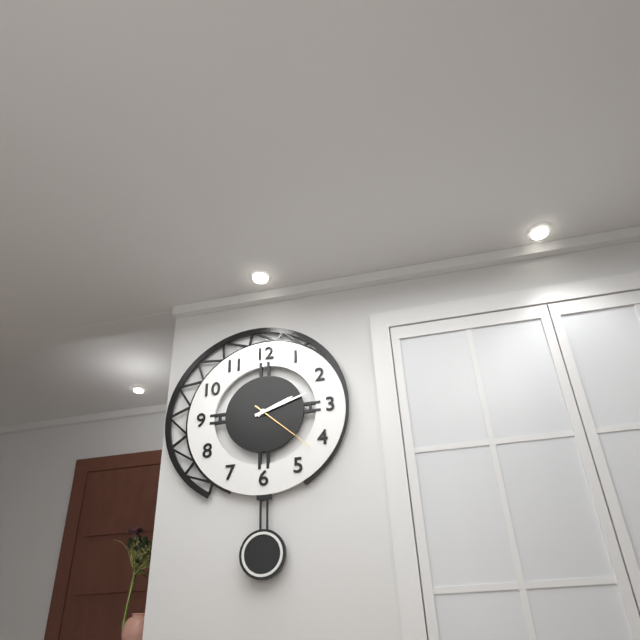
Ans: h=2 m=12 s=22
